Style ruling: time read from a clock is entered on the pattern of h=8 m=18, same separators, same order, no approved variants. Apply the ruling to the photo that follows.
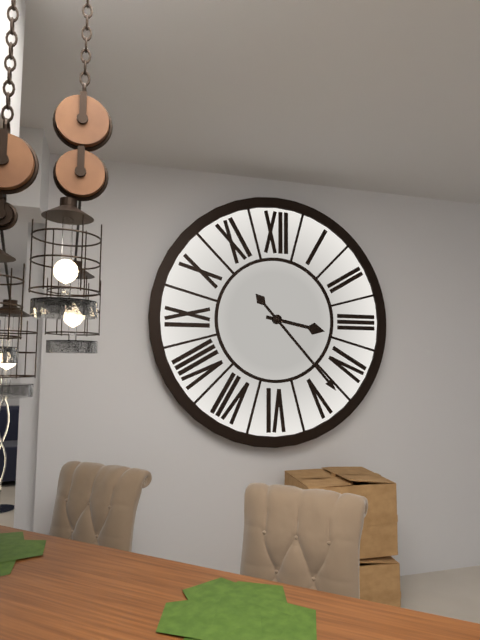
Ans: h=3 m=23
